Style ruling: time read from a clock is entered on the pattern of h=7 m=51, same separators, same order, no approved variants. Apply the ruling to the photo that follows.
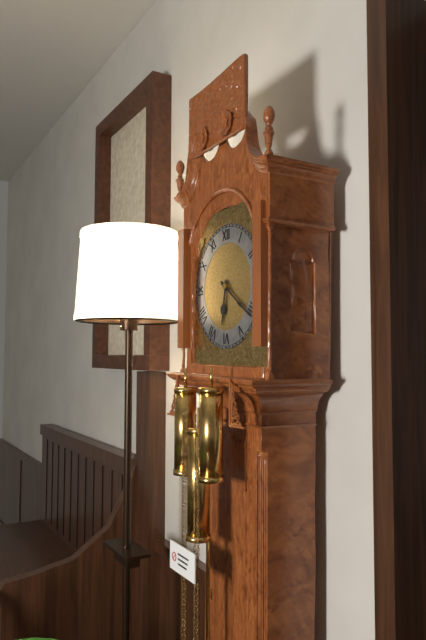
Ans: h=6 m=21
